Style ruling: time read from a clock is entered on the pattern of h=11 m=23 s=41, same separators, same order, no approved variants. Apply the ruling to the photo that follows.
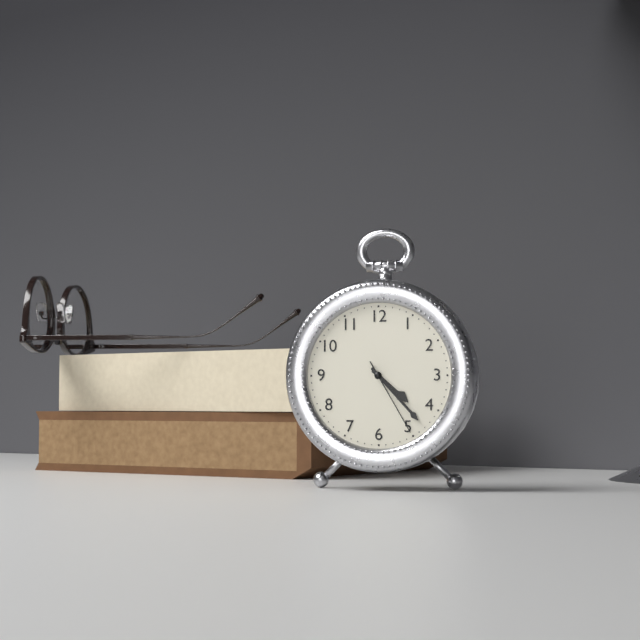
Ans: h=4 m=23 s=25
